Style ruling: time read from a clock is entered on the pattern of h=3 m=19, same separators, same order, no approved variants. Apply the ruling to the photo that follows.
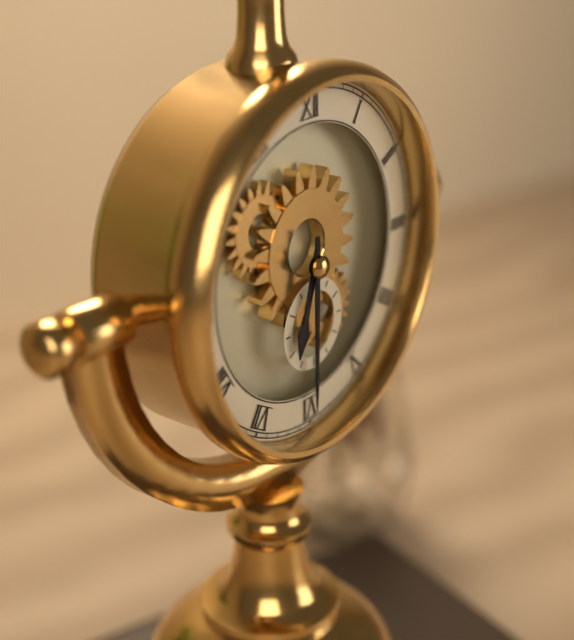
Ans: h=6 m=30
